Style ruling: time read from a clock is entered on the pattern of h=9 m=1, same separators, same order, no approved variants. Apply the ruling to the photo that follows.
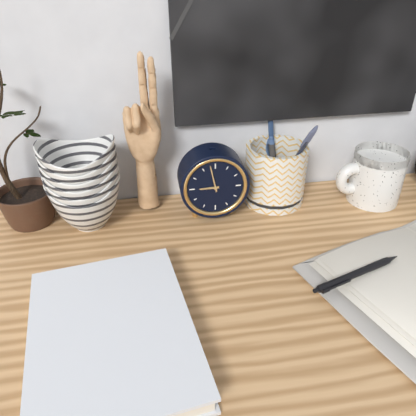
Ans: h=8 m=58
